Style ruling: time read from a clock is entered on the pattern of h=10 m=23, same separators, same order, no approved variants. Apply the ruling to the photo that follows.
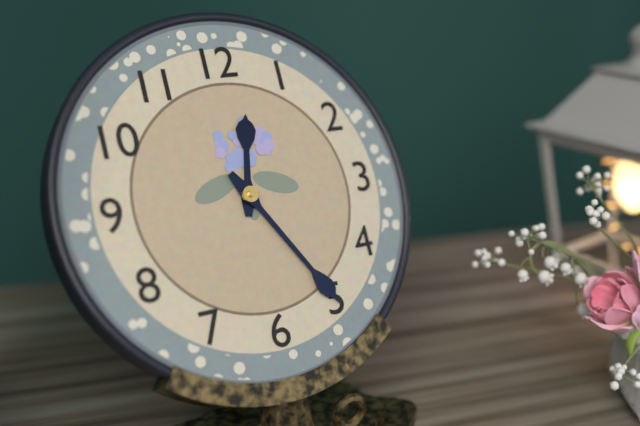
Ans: h=12 m=25
